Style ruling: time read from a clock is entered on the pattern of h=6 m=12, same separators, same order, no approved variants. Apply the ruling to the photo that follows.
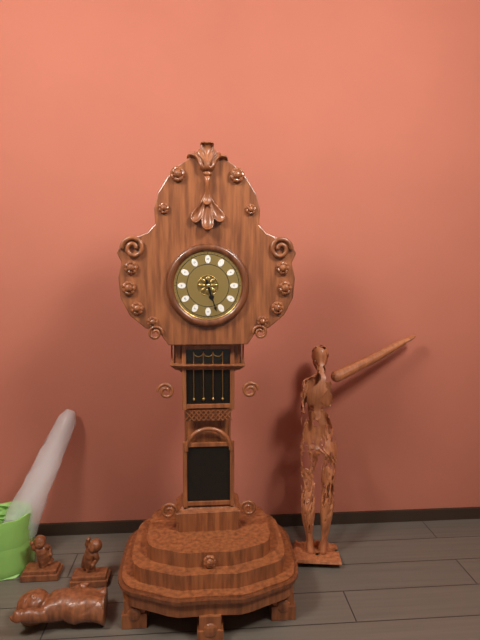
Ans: h=5 m=27
